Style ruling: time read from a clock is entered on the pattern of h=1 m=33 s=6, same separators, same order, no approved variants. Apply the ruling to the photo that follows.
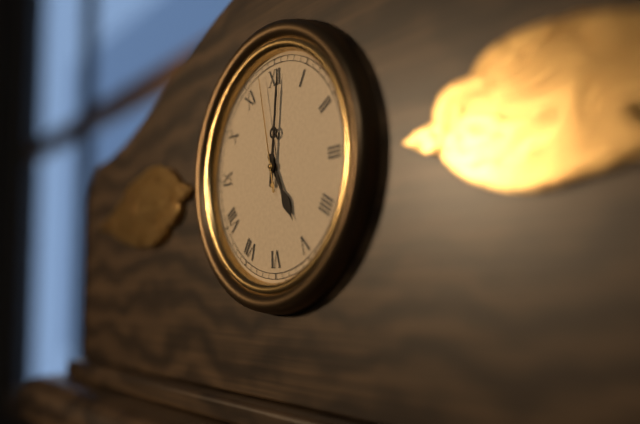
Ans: h=5 m=1 s=58
